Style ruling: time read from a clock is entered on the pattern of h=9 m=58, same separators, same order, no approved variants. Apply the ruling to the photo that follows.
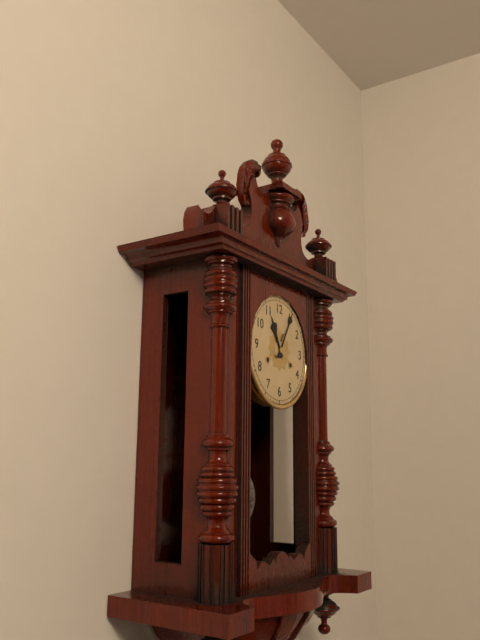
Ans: h=11 m=5
